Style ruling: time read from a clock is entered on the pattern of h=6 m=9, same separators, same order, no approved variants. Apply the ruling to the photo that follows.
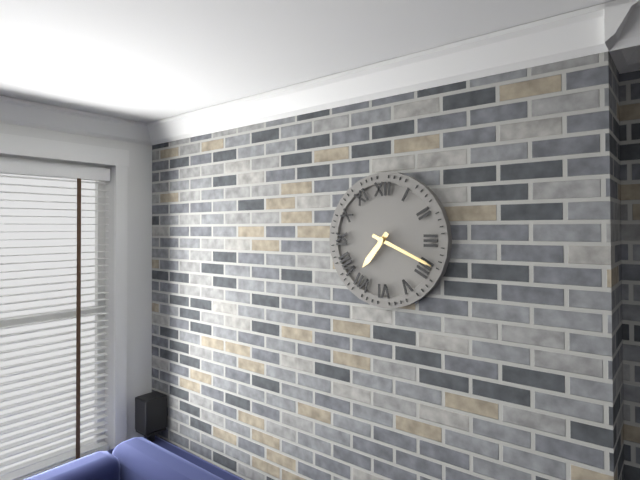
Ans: h=7 m=19
